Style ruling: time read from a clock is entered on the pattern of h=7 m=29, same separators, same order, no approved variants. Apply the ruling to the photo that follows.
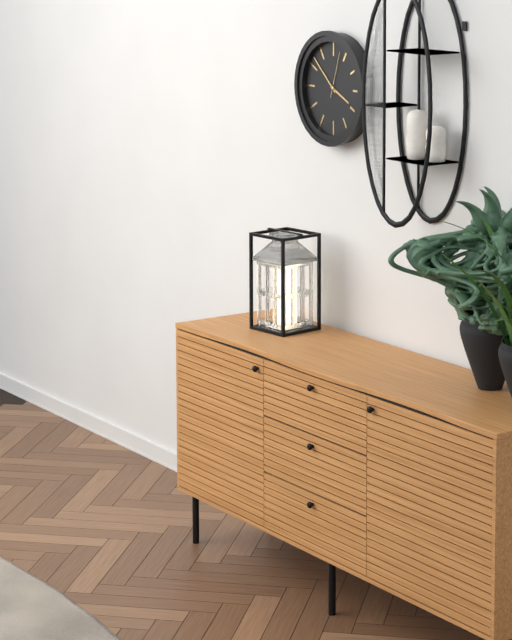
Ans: h=3 m=52
